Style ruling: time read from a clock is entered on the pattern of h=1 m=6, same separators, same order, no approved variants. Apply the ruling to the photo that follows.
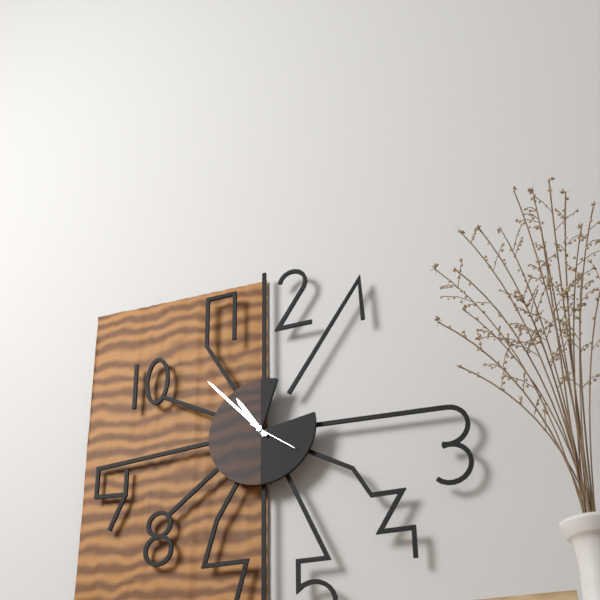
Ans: h=10 m=53
